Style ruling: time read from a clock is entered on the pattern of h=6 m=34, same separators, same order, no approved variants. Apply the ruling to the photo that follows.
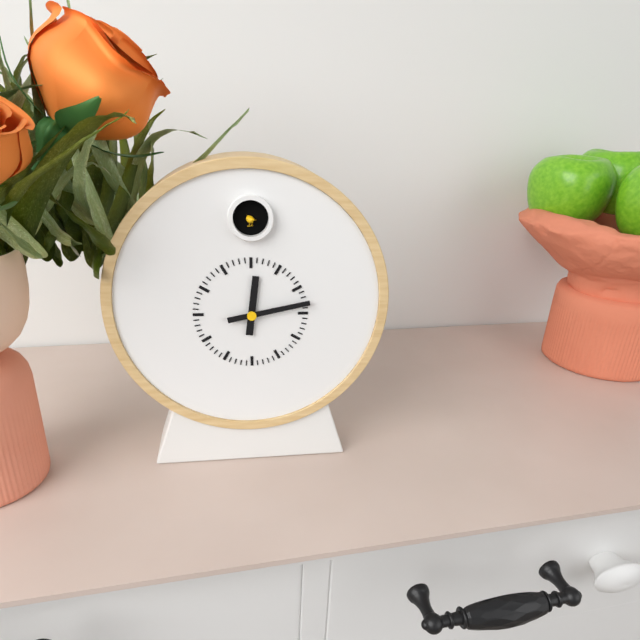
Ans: h=12 m=13
